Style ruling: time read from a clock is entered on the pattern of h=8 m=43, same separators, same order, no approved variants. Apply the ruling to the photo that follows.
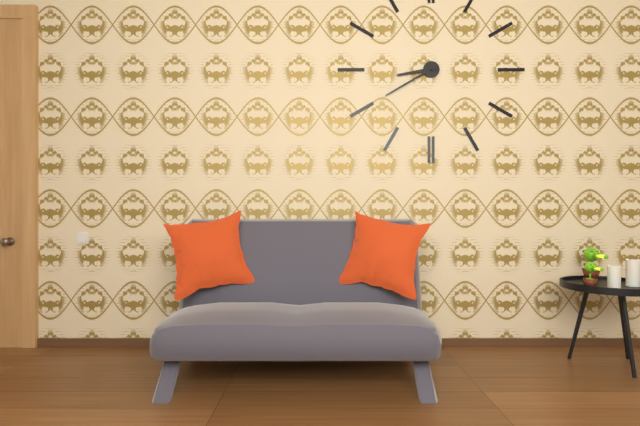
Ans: h=8 m=40
